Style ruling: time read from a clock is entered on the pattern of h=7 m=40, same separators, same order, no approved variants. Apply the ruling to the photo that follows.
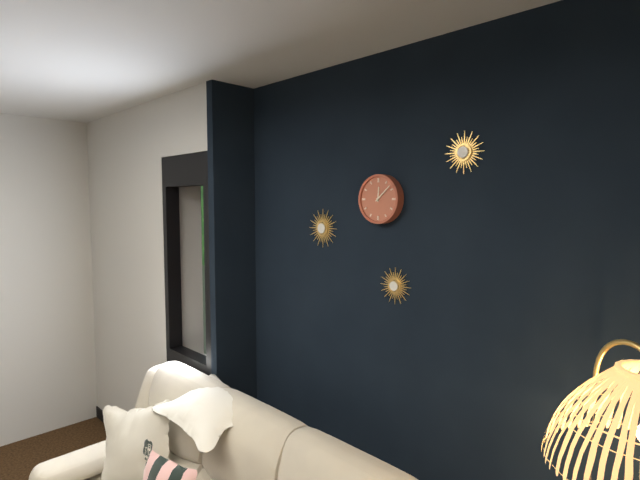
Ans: h=12 m=8
